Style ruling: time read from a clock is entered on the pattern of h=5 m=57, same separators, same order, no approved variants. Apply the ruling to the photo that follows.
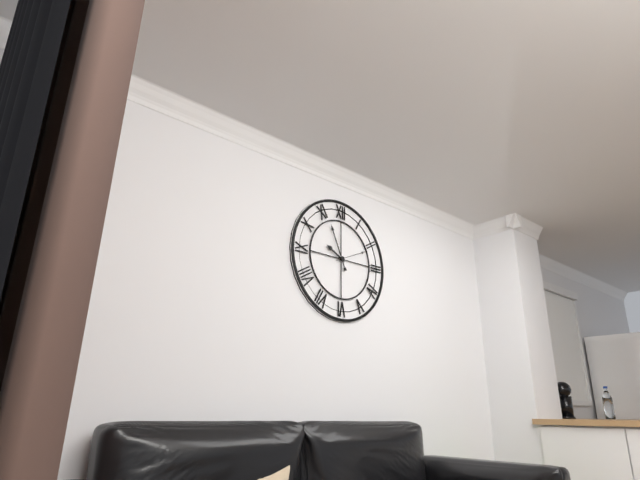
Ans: h=9 m=56
